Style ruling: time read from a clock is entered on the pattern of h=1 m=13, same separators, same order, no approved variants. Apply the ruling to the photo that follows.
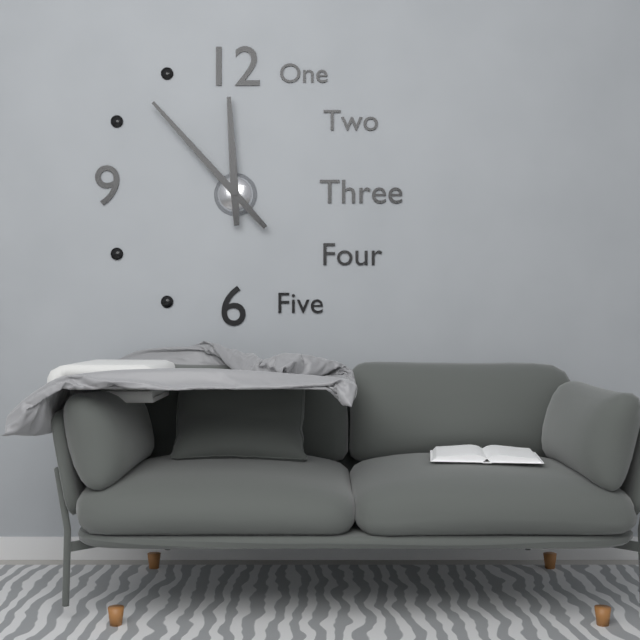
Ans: h=11 m=53
